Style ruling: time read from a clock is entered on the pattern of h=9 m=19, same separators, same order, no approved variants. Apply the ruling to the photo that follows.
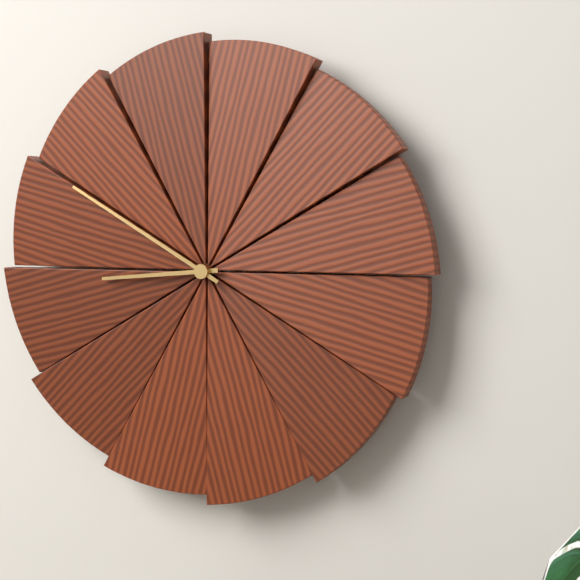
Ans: h=8 m=50
